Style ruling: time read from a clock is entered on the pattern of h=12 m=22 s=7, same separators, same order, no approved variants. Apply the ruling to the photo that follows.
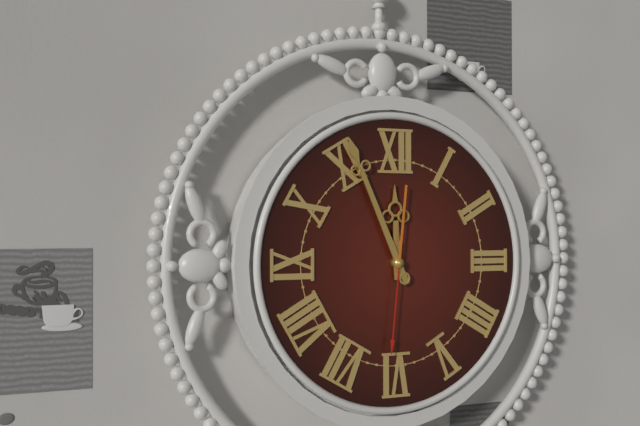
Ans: h=11 m=56 s=31
